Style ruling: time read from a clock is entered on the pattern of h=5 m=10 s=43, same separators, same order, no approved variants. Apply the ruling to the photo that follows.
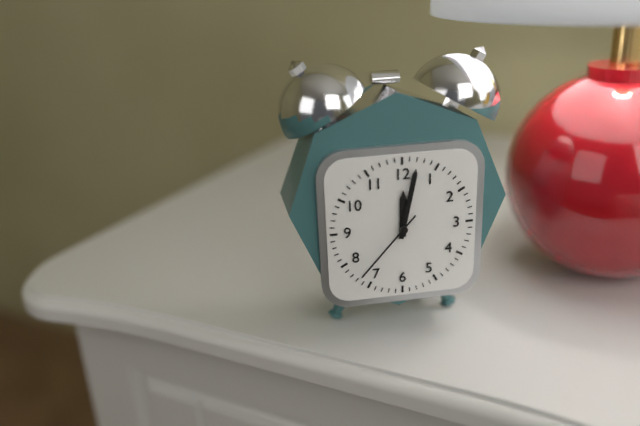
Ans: h=12 m=2 s=37
